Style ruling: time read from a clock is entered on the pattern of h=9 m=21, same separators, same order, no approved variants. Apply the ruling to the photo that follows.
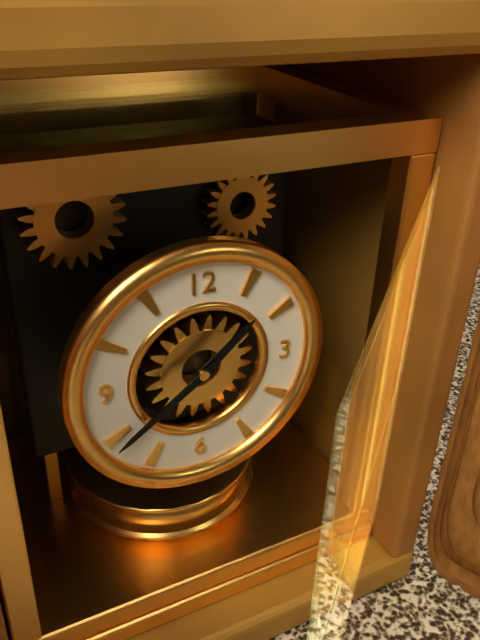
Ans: h=1 m=39
